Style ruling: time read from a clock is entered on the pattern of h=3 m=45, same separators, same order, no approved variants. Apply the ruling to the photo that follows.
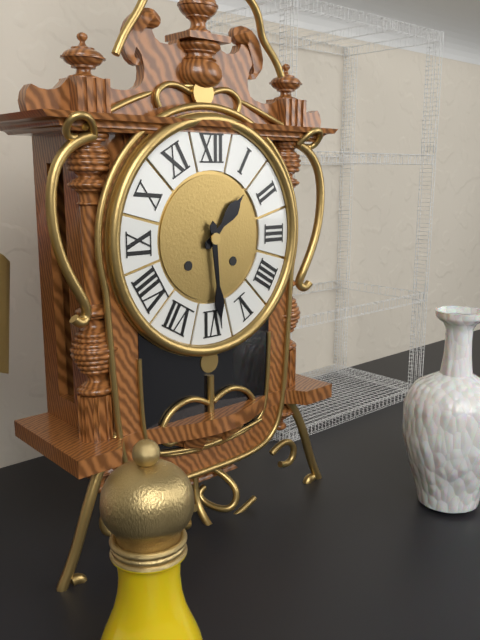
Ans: h=1 m=29
